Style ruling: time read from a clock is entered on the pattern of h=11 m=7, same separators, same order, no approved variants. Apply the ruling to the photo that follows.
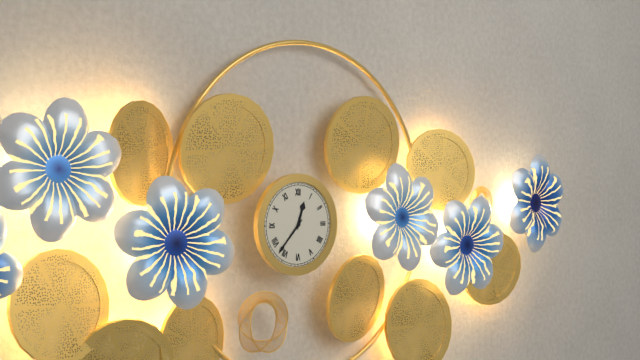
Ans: h=12 m=37
